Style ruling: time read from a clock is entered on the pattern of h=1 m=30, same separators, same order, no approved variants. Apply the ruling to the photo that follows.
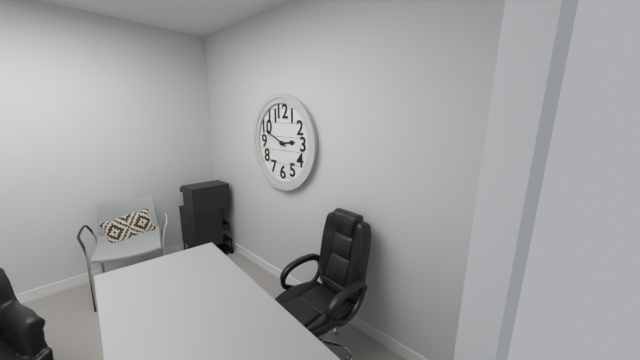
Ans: h=2 m=49
